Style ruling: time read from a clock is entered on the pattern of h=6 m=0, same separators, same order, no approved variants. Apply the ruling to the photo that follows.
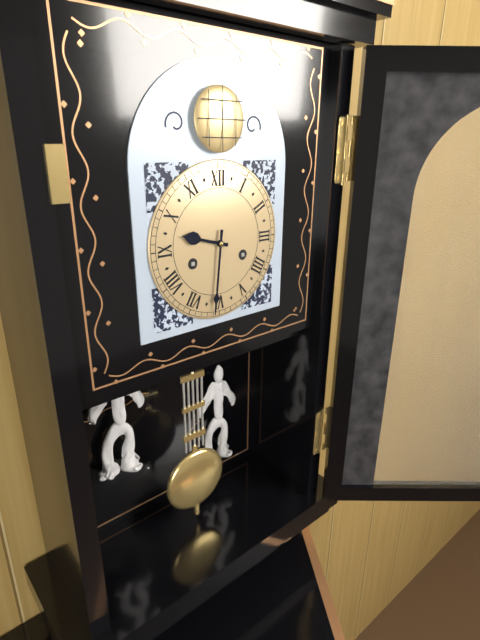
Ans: h=9 m=31
